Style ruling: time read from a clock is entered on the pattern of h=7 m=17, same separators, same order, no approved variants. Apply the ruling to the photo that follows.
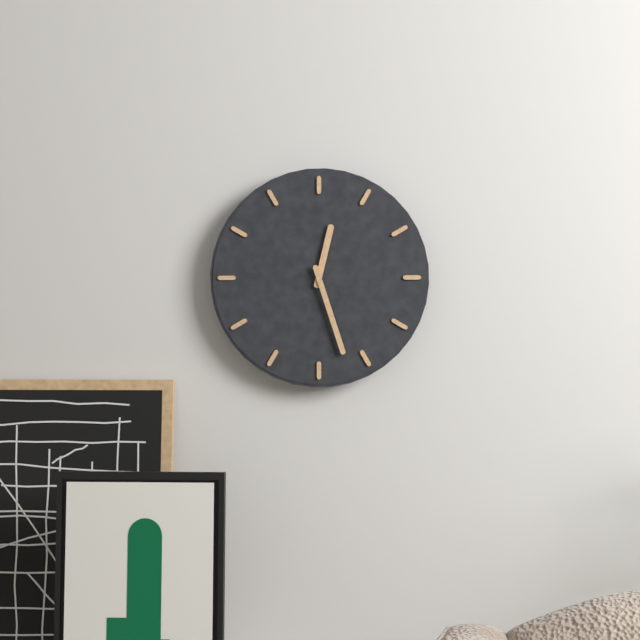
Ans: h=12 m=27
